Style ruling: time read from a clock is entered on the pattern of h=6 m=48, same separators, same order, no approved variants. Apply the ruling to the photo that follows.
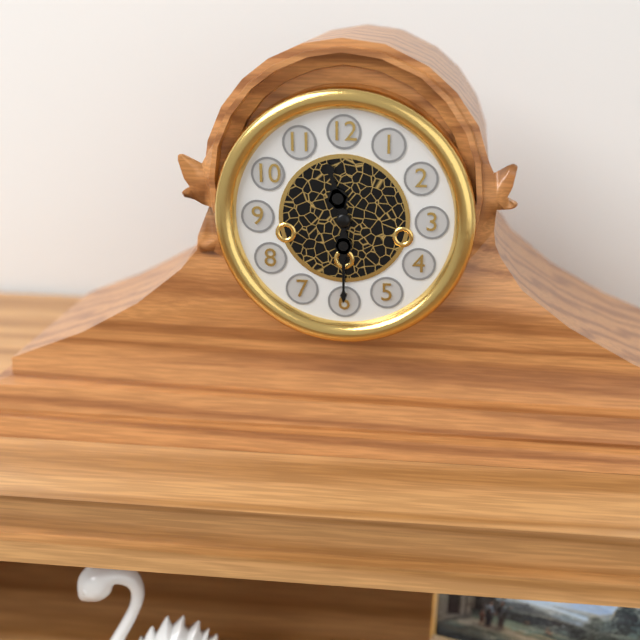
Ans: h=11 m=30
